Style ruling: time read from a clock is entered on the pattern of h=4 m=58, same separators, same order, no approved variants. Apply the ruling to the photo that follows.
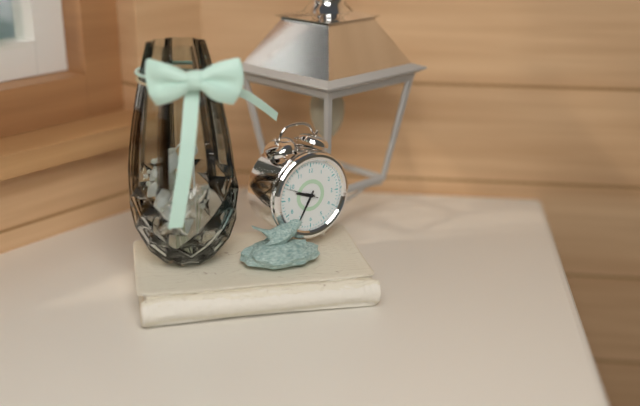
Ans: h=9 m=35
